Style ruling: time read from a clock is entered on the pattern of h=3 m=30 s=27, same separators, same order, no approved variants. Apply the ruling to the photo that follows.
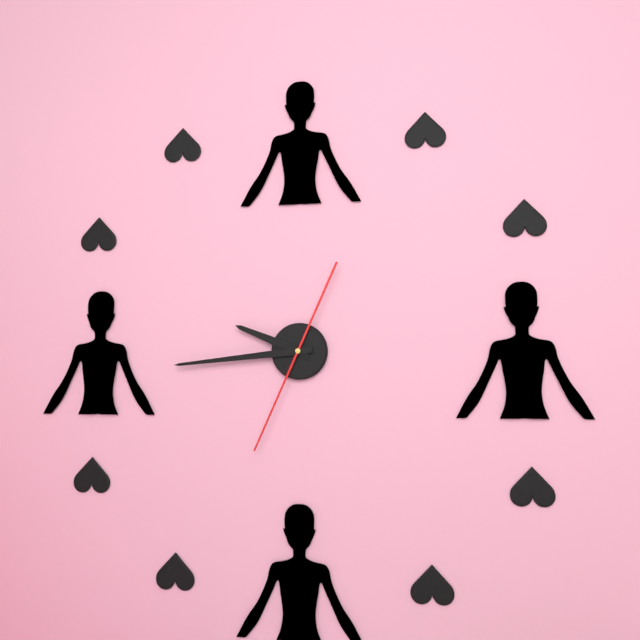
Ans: h=9 m=44 s=34
